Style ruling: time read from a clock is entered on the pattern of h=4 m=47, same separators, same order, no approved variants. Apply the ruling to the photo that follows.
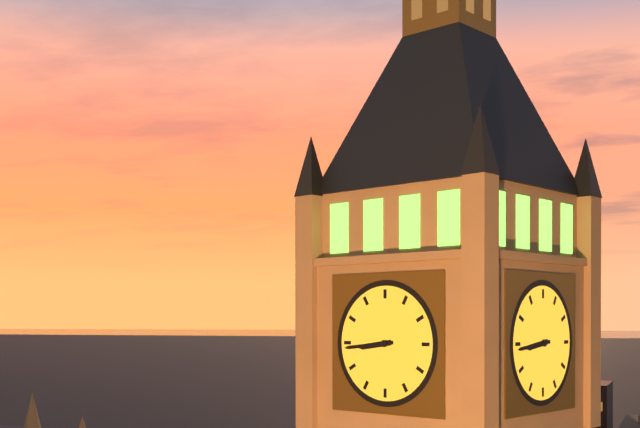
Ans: h=8 m=44
